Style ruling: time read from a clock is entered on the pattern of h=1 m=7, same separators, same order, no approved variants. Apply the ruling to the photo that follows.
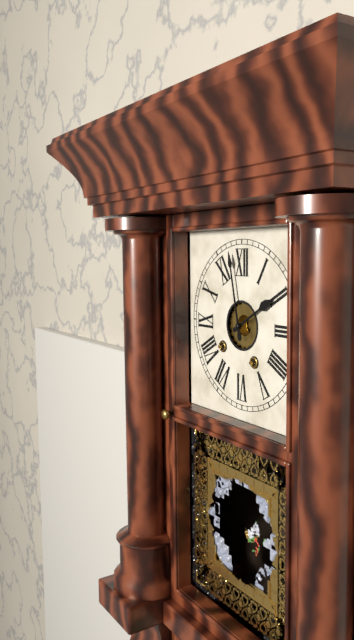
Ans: h=1 m=58
